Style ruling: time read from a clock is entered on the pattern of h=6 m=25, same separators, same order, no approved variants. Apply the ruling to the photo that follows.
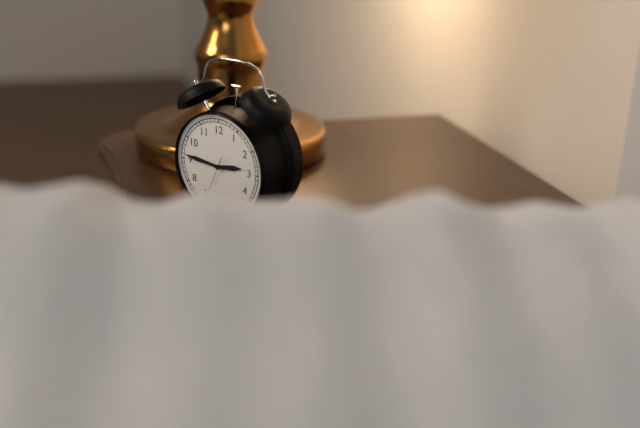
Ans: h=2 m=46
